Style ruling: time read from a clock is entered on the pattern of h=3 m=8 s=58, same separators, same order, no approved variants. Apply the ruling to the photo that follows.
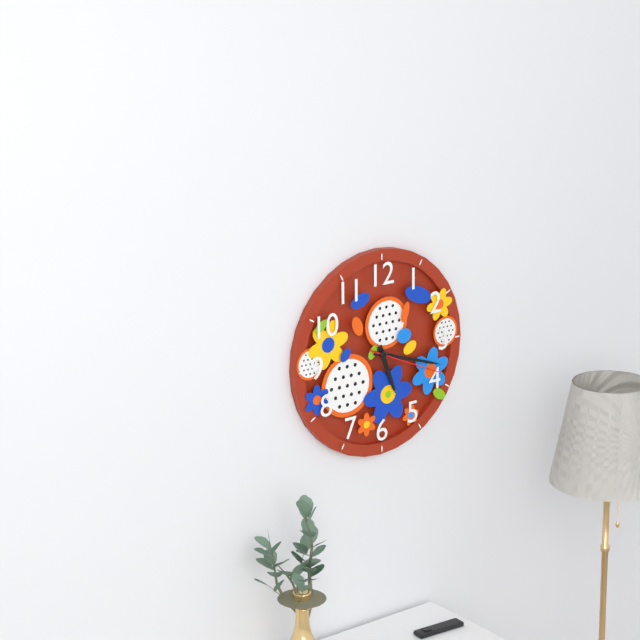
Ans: h=5 m=18 s=19
